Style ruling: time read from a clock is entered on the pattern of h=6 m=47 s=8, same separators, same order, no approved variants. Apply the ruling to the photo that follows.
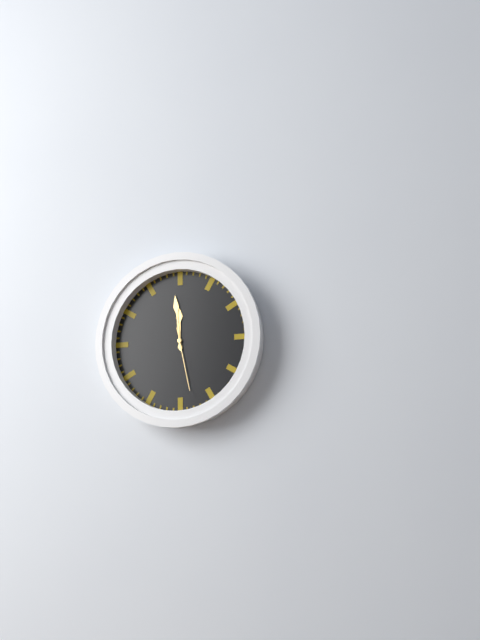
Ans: h=11 m=59 s=28
